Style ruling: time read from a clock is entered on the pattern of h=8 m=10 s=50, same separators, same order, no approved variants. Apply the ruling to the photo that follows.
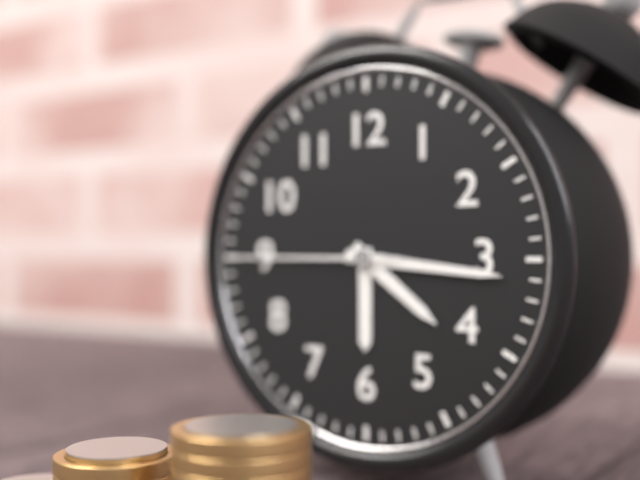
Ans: h=4 m=16 s=45
